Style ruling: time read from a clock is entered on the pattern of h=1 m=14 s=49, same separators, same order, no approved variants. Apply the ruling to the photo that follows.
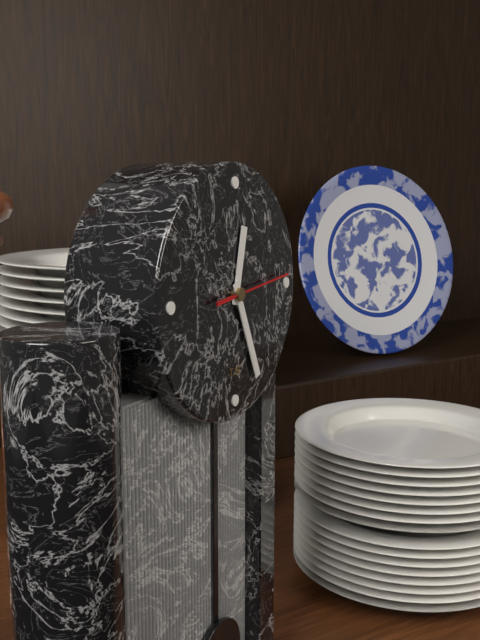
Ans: h=12 m=26 s=14
